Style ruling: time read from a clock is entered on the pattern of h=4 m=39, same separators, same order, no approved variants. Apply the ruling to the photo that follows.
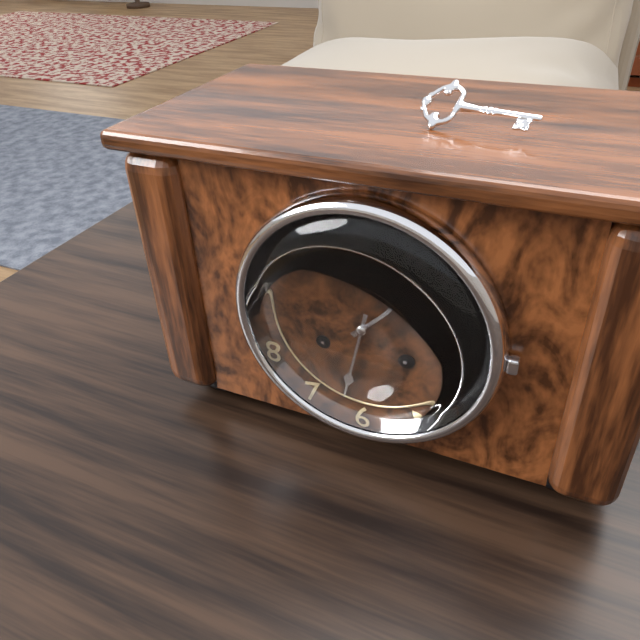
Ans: h=1 m=32
